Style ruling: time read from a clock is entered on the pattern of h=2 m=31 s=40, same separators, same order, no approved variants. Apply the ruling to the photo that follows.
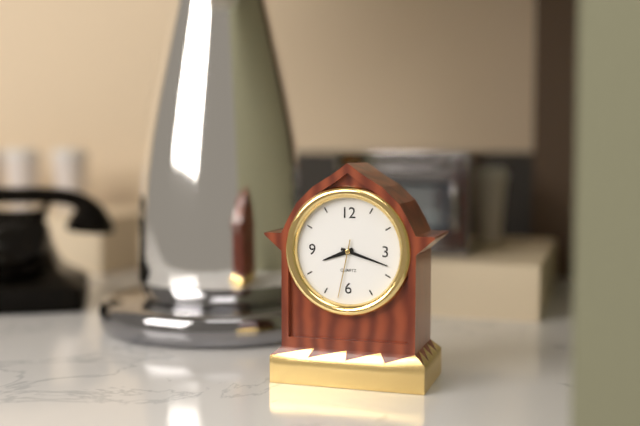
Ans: h=8 m=18 s=32
